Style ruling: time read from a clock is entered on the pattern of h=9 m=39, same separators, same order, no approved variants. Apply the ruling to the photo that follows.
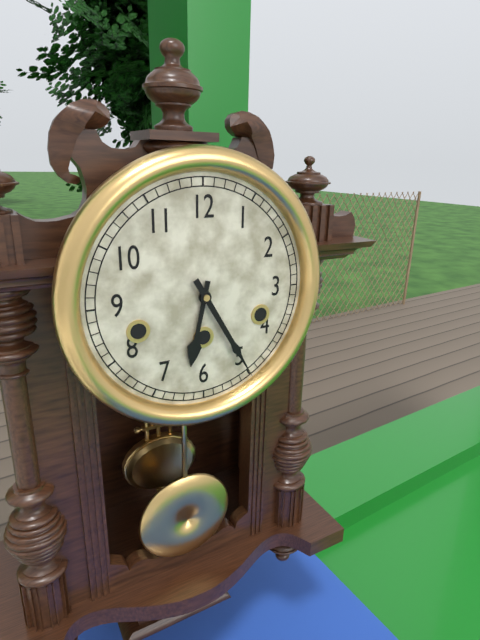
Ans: h=6 m=25
